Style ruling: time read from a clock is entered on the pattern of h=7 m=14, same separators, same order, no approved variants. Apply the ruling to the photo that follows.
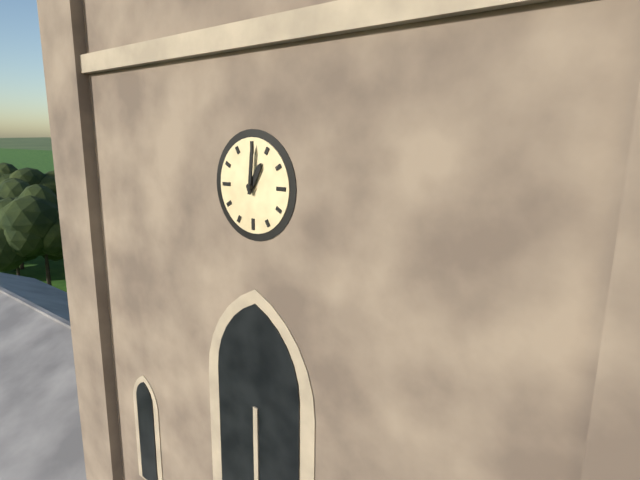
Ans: h=1 m=1
